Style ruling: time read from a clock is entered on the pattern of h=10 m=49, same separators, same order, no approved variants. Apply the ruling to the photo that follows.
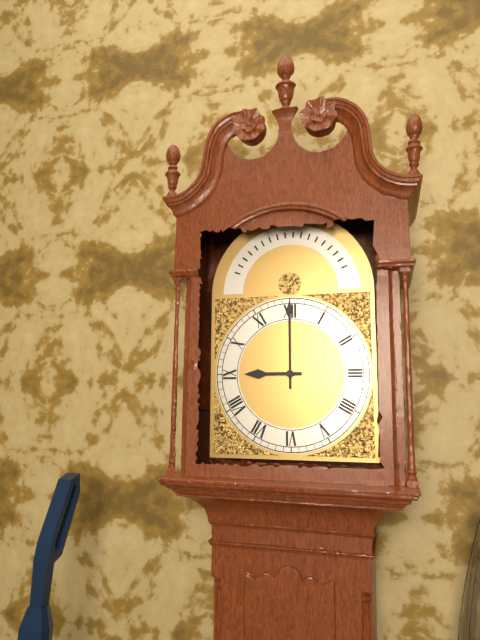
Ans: h=9 m=0
